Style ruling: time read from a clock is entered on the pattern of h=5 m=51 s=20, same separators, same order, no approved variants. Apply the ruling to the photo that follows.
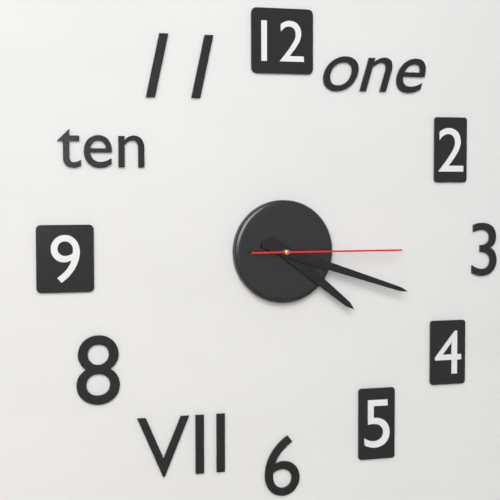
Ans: h=4 m=18 s=15
